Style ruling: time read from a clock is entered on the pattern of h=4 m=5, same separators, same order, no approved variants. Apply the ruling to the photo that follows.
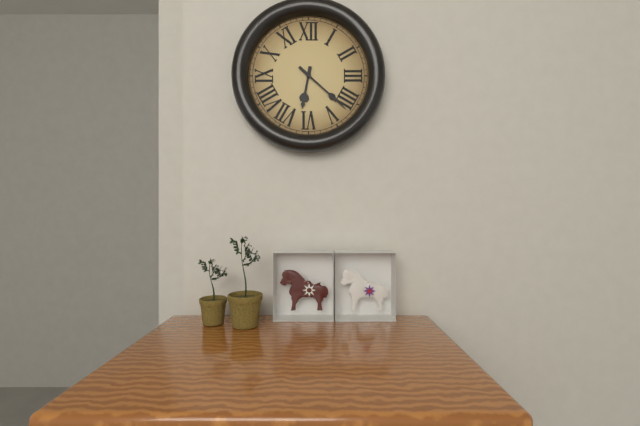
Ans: h=6 m=22
